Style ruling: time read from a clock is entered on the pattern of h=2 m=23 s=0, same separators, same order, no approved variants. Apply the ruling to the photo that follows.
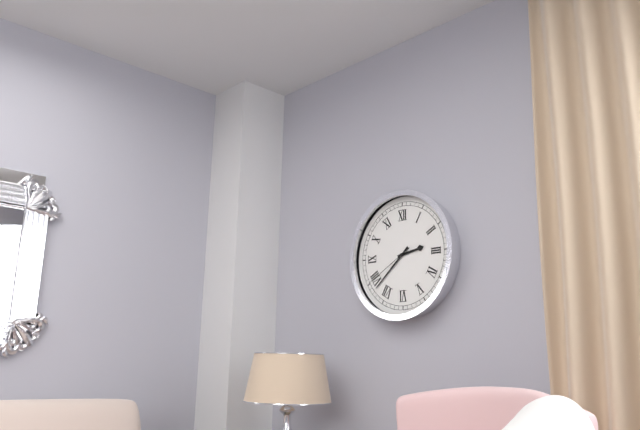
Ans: h=2 m=38 s=40
